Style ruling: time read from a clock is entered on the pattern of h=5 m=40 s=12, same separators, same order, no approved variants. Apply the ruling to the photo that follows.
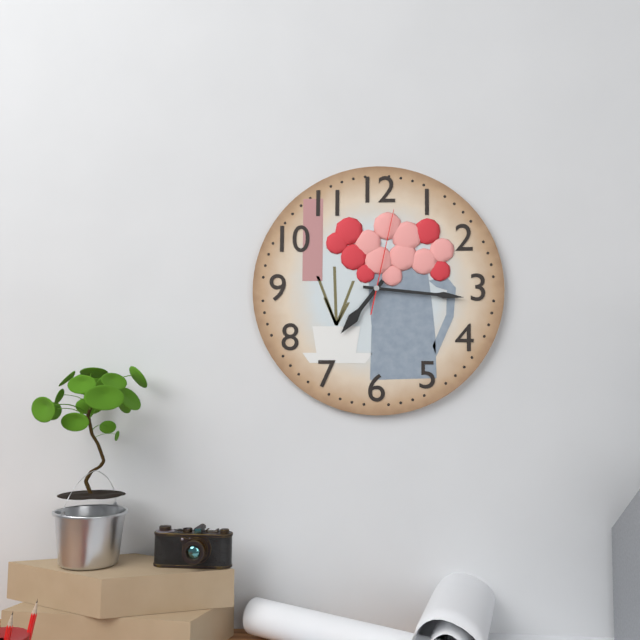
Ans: h=7 m=16 s=2
